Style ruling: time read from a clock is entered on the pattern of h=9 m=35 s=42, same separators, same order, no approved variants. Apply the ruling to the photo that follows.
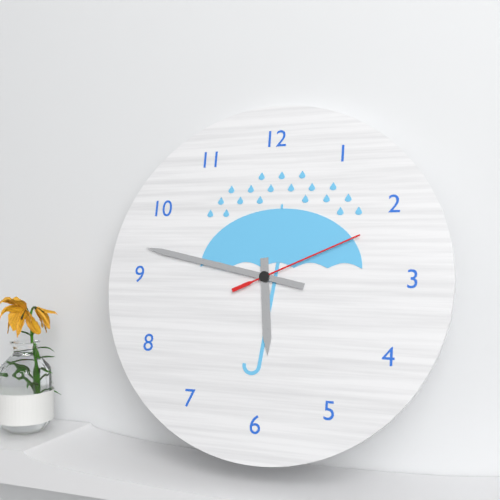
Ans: h=5 m=47 s=11
